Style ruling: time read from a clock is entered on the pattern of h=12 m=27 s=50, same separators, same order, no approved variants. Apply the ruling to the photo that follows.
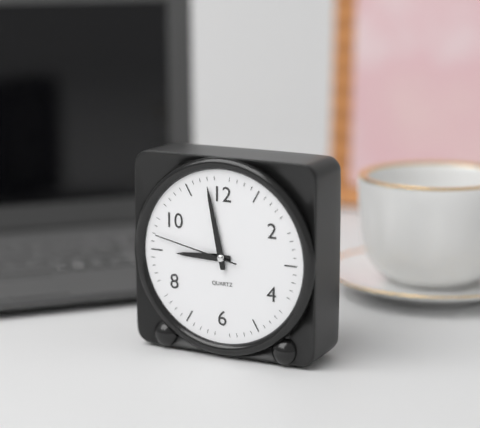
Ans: h=8 m=58 s=47
